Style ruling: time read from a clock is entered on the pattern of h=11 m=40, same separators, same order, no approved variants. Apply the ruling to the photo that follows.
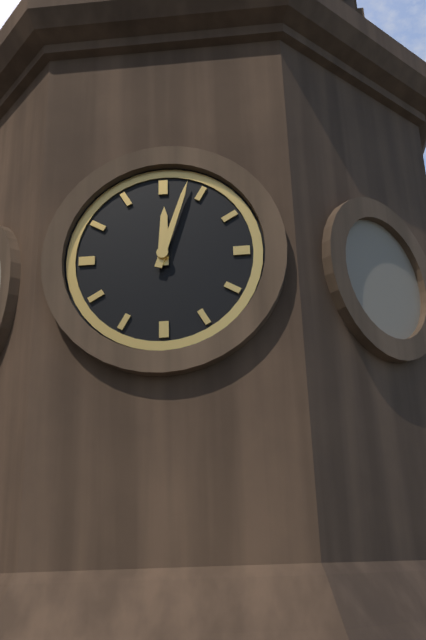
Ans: h=12 m=3
